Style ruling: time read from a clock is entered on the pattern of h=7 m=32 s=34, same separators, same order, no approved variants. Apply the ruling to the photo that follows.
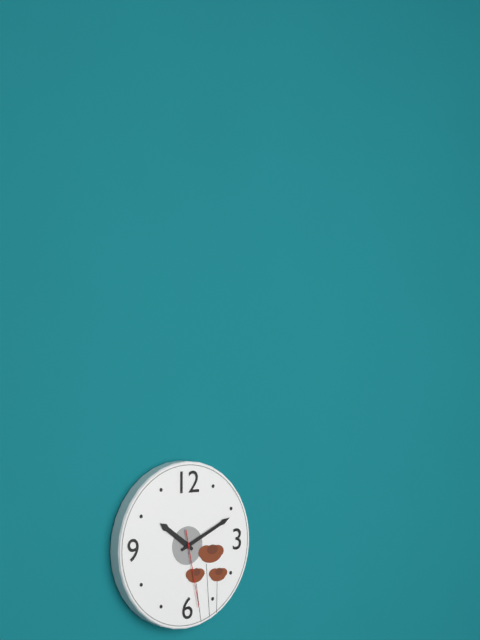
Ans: h=10 m=11 s=28
